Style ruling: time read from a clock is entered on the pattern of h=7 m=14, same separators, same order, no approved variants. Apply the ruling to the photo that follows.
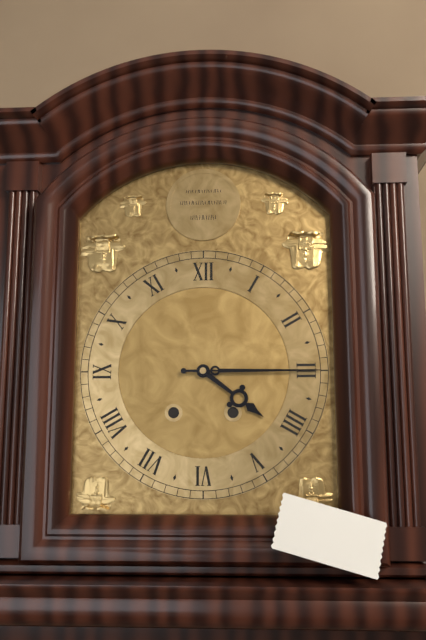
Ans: h=4 m=15
